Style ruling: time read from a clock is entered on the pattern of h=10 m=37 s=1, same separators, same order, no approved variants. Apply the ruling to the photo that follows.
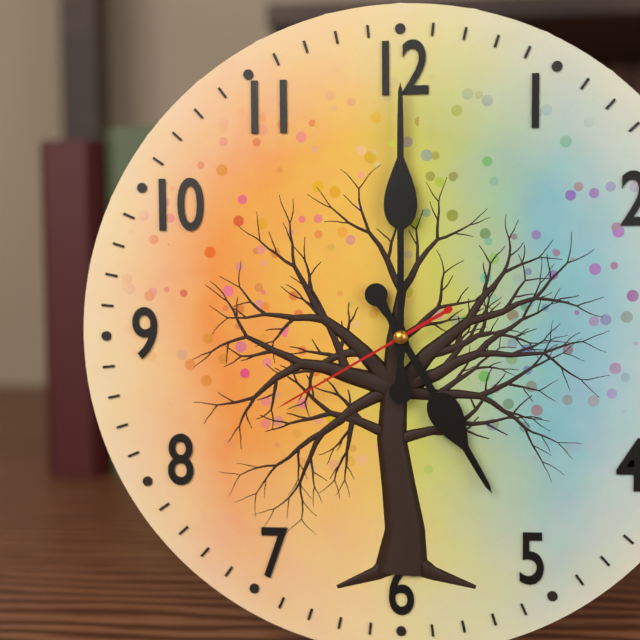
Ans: h=5 m=0 s=40
